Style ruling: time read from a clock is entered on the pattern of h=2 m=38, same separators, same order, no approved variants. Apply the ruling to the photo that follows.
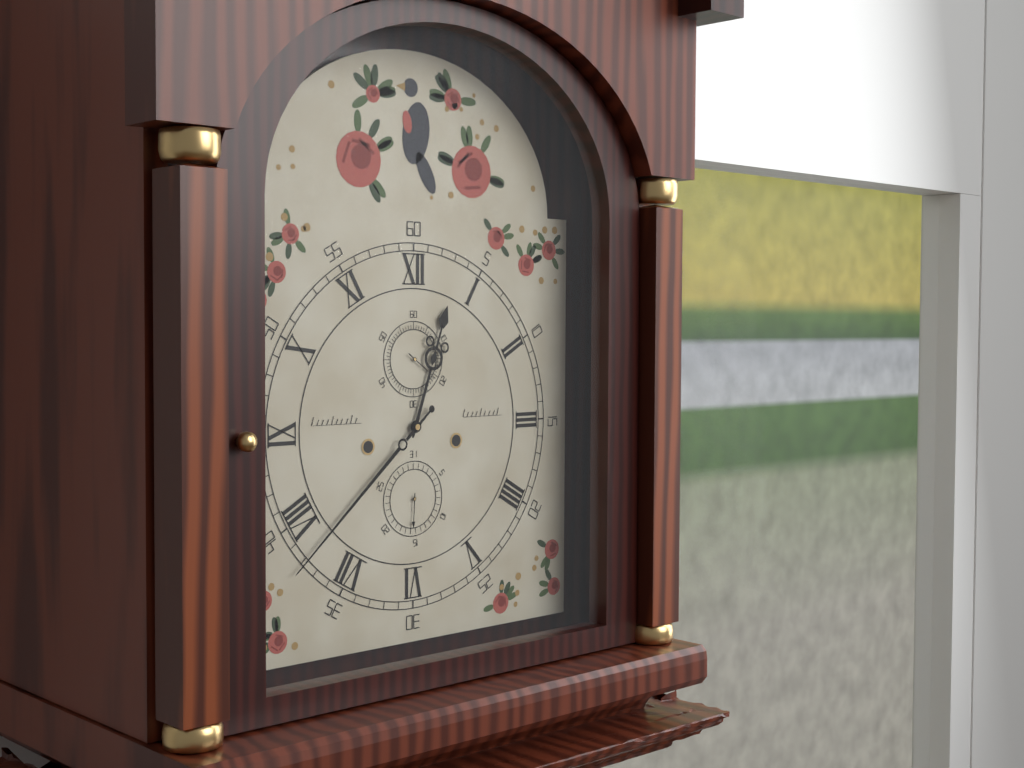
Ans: h=12 m=38
